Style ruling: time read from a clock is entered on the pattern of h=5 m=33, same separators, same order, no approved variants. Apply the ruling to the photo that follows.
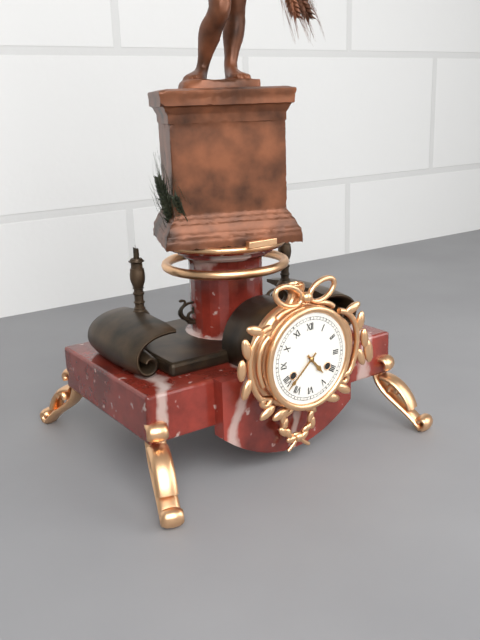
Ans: h=4 m=38
